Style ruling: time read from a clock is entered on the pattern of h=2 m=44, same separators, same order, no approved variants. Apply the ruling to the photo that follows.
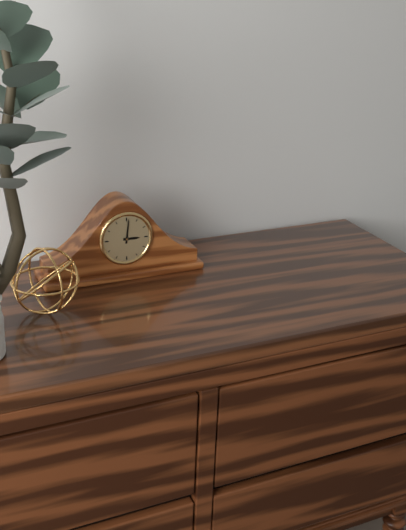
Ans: h=3 m=1
